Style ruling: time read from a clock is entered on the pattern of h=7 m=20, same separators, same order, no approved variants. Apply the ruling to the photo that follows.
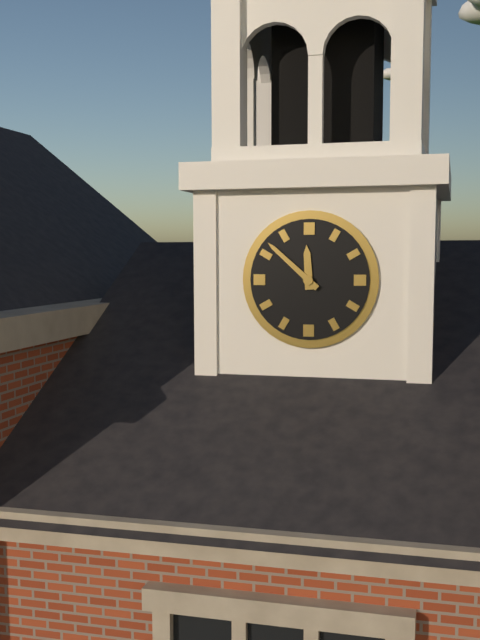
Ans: h=11 m=52
